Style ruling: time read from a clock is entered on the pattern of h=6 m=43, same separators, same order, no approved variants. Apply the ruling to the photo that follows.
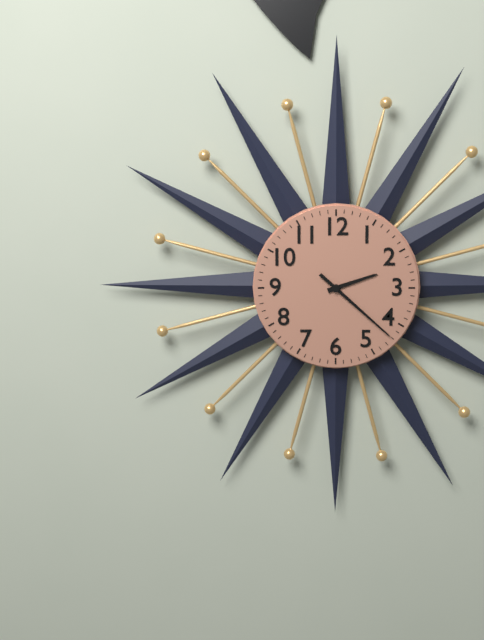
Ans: h=2 m=22
